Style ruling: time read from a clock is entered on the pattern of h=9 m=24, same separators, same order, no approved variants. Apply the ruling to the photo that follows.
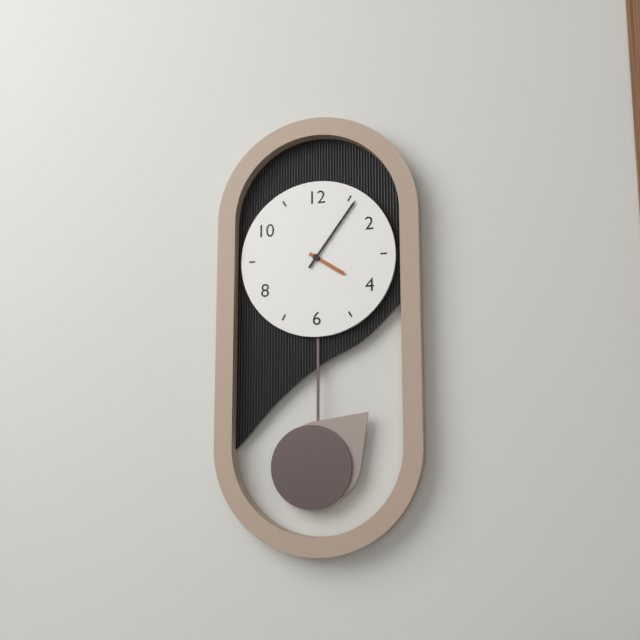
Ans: h=4 m=6
